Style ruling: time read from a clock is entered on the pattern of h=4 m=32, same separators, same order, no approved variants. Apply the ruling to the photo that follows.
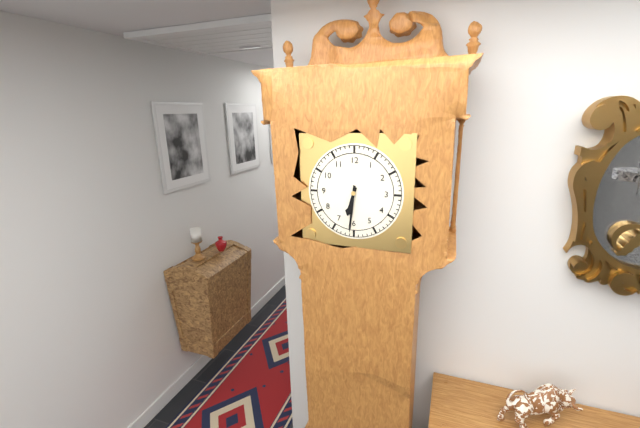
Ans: h=6 m=31
